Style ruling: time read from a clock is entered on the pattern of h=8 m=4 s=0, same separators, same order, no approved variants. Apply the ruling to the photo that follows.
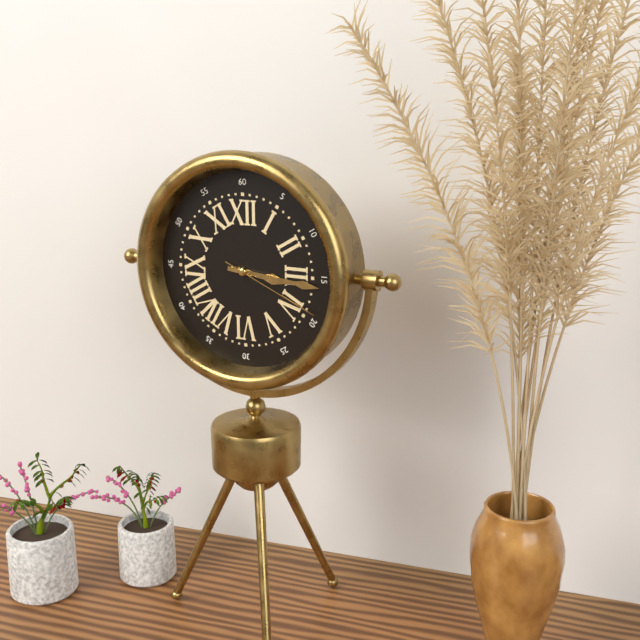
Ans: h=3 m=16 s=19
